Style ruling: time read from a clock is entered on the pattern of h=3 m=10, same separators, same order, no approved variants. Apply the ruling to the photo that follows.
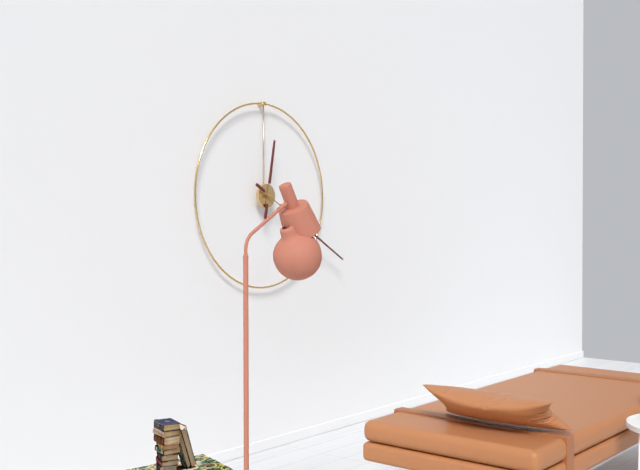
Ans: h=12 m=20
